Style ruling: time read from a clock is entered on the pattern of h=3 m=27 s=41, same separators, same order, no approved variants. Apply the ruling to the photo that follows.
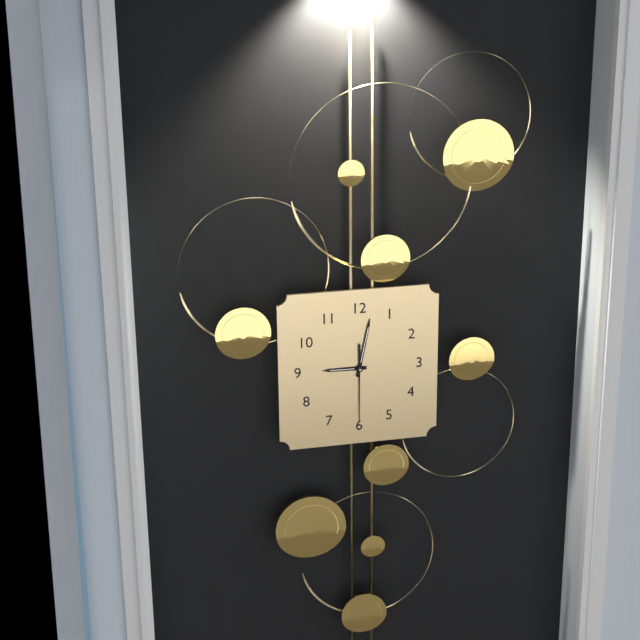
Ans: h=9 m=2 s=30
